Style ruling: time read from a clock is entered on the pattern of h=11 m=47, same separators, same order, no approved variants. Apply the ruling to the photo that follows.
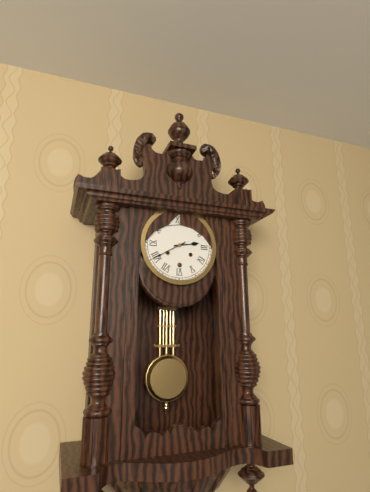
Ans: h=2 m=40
